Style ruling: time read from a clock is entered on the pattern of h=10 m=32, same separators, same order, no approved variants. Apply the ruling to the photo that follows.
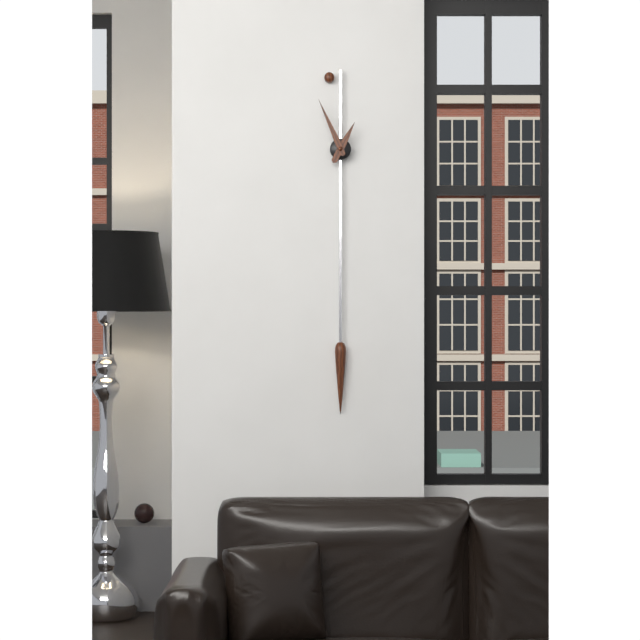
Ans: h=12 m=56
